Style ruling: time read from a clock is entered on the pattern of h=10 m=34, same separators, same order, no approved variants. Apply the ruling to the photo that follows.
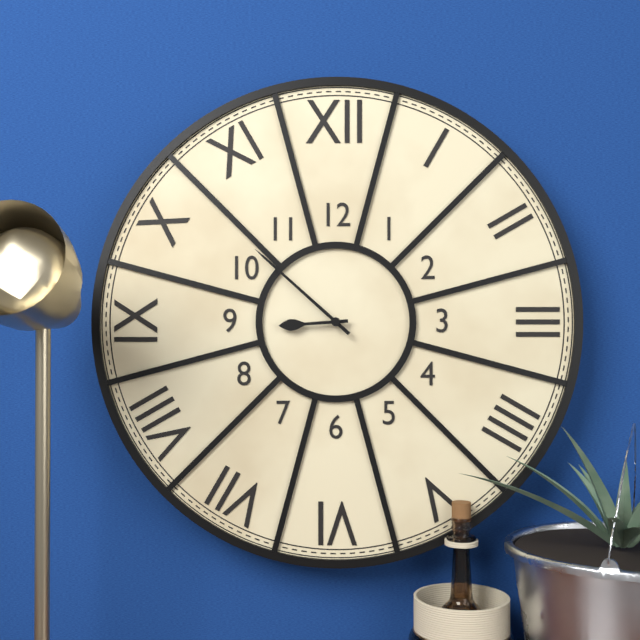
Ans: h=8 m=52
